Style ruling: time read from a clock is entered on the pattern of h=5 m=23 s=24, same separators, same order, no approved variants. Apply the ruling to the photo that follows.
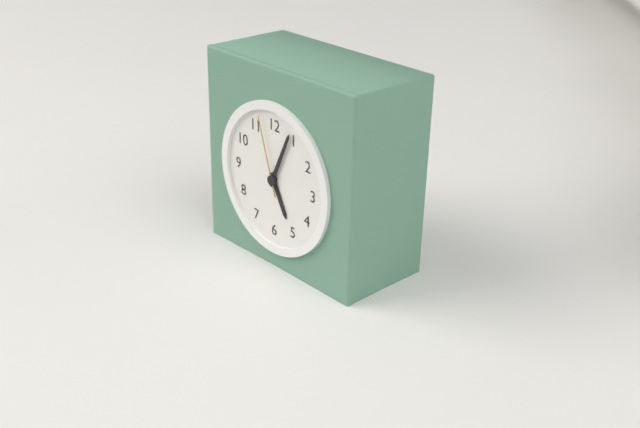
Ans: h=5 m=4 s=57
